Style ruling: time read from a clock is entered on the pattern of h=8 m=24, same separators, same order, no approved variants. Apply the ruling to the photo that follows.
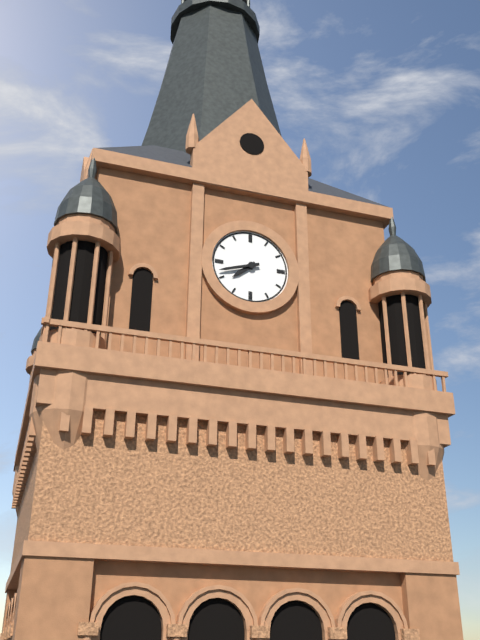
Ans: h=7 m=42
